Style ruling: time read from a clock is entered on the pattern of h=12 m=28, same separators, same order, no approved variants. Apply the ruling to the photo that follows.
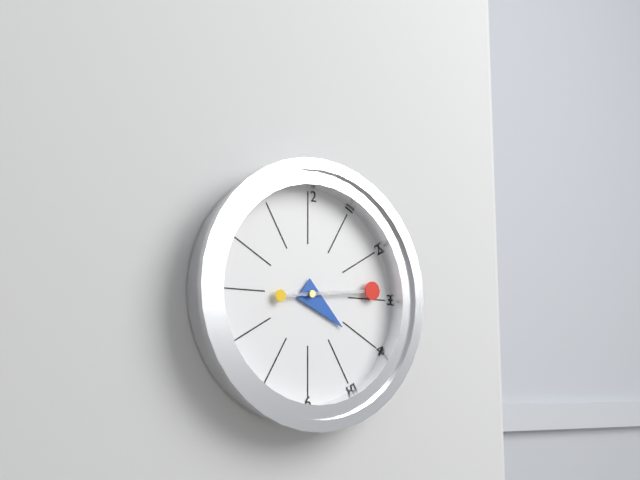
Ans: h=4 m=14
